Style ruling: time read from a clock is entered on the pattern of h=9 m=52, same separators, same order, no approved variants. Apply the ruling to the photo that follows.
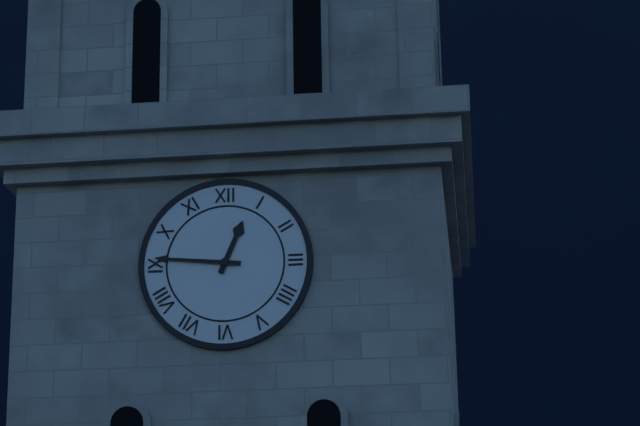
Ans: h=12 m=46
